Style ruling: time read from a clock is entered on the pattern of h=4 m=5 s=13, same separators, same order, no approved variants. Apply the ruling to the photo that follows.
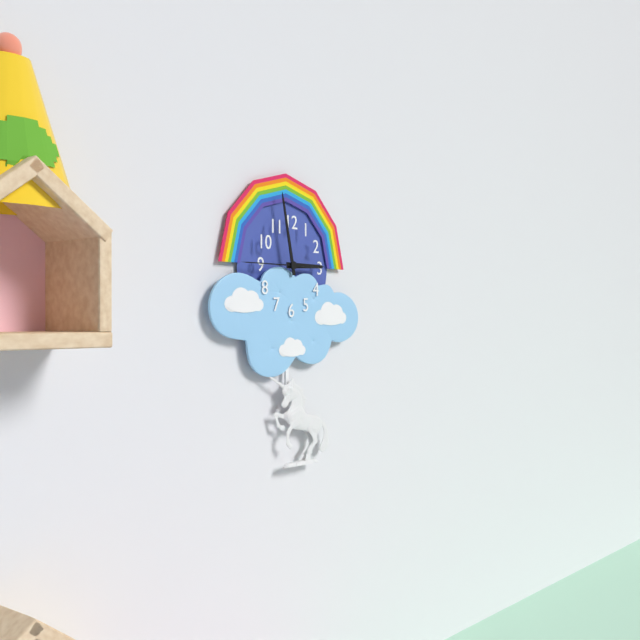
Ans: h=2 m=58 s=45
